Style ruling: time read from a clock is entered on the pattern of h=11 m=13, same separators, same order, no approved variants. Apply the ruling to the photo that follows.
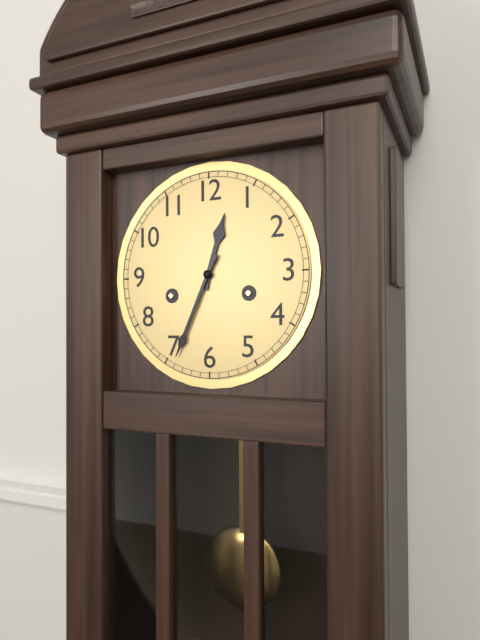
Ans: h=12 m=34
